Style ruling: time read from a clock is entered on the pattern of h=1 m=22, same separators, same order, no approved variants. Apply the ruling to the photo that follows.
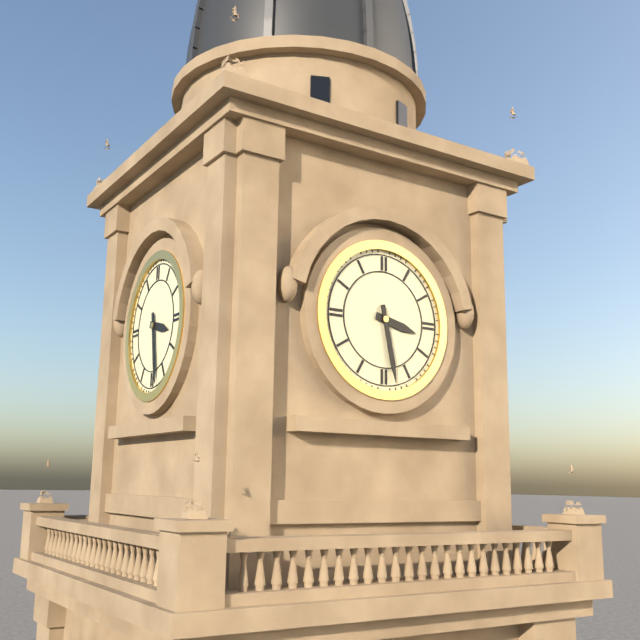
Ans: h=3 m=28
